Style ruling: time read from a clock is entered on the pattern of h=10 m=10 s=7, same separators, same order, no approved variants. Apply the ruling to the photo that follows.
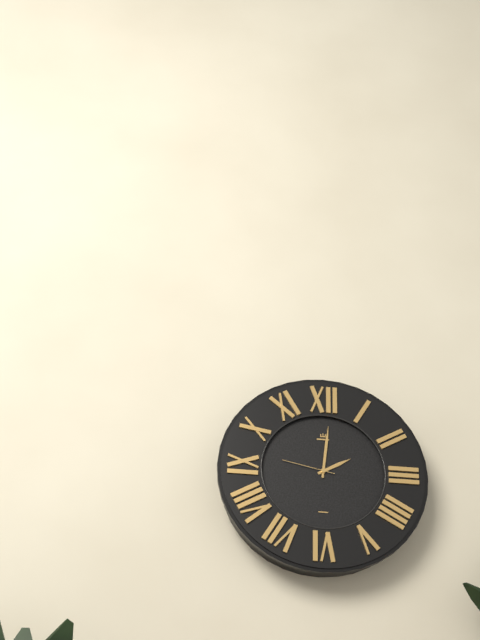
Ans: h=2 m=1 s=47
